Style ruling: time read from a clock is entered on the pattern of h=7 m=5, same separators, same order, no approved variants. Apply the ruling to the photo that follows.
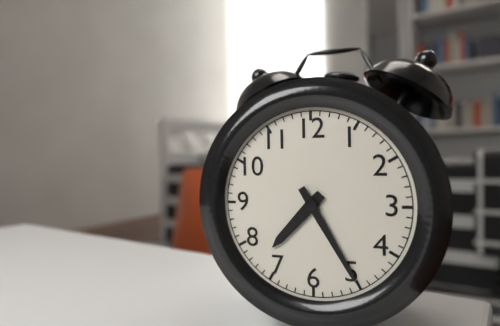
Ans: h=7 m=25
